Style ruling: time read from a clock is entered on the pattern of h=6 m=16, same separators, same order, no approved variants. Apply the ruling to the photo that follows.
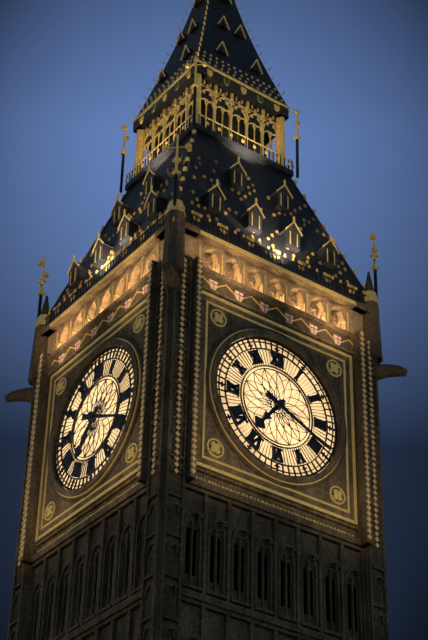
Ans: h=7 m=19
